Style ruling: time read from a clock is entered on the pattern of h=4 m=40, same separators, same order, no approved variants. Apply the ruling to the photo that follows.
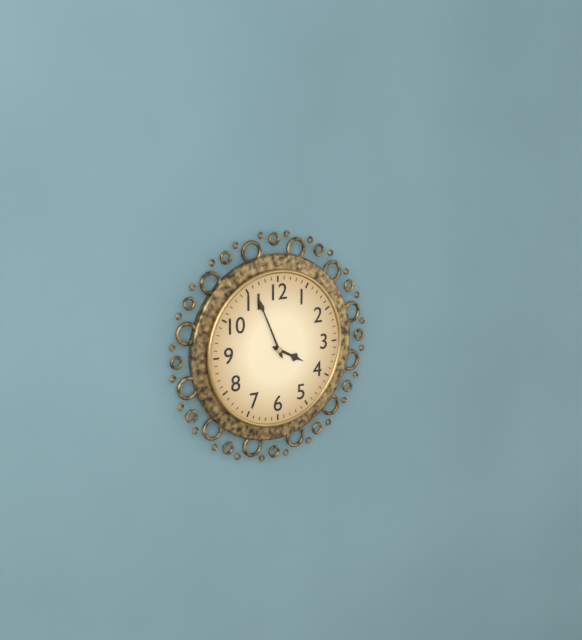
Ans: h=3 m=56
